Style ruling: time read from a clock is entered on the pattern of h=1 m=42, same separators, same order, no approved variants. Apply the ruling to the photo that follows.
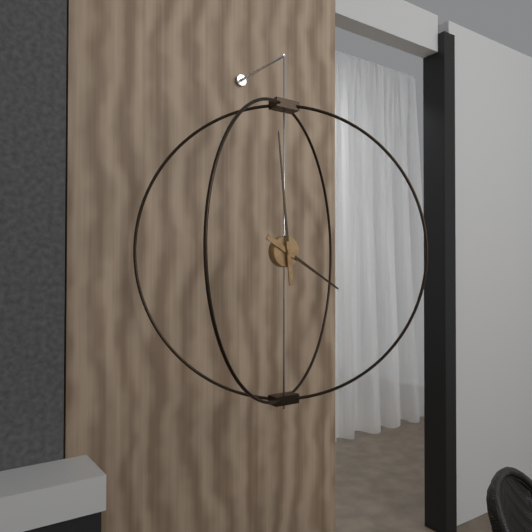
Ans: h=3 m=59
